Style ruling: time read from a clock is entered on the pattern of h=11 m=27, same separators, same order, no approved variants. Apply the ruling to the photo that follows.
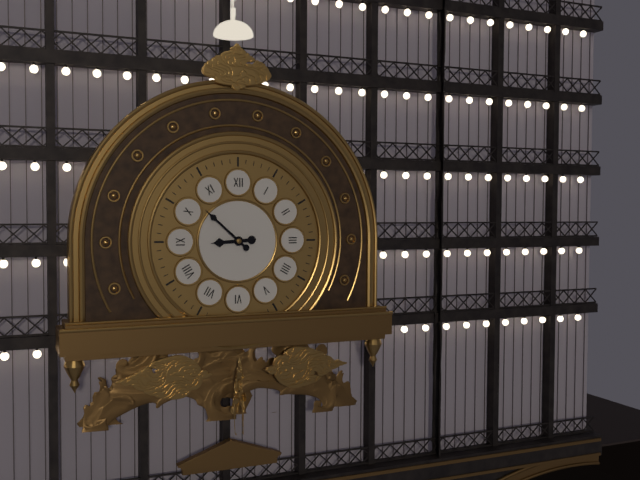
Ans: h=8 m=52
